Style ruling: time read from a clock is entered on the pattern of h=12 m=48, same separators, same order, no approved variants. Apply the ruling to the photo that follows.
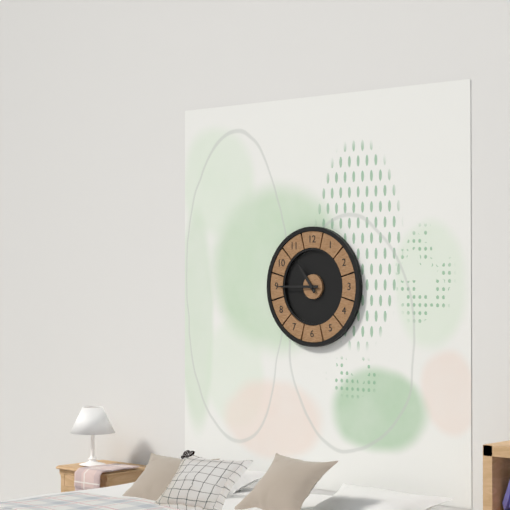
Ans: h=10 m=45
